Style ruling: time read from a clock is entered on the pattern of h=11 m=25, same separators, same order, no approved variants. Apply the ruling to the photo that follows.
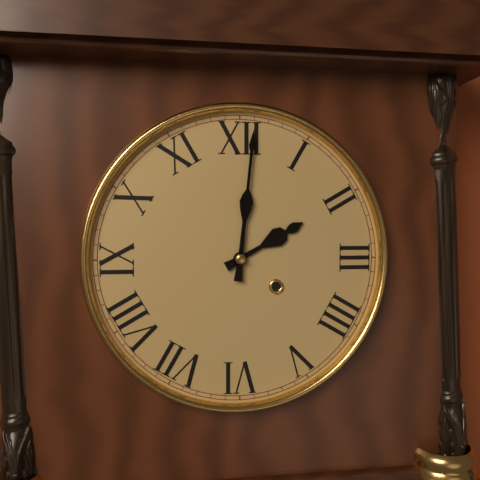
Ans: h=2 m=1
